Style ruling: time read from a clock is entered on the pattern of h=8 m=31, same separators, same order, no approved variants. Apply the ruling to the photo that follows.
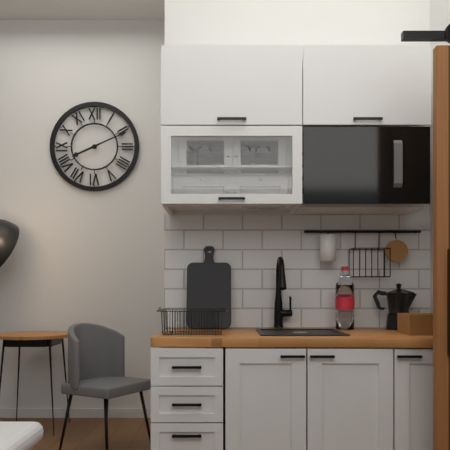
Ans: h=8 m=11
